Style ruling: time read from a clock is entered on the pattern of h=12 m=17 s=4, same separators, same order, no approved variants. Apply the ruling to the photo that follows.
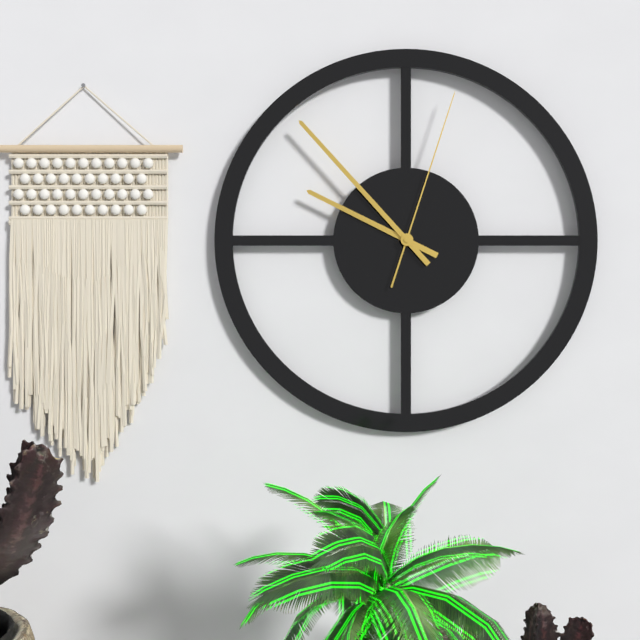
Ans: h=9 m=53 s=3
